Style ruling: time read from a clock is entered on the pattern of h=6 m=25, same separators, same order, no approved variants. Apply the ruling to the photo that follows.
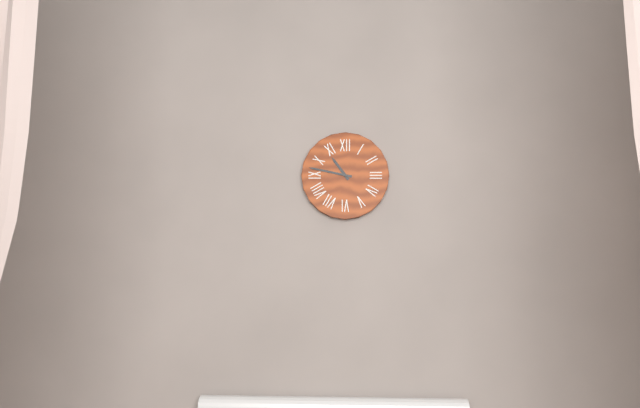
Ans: h=10 m=47
